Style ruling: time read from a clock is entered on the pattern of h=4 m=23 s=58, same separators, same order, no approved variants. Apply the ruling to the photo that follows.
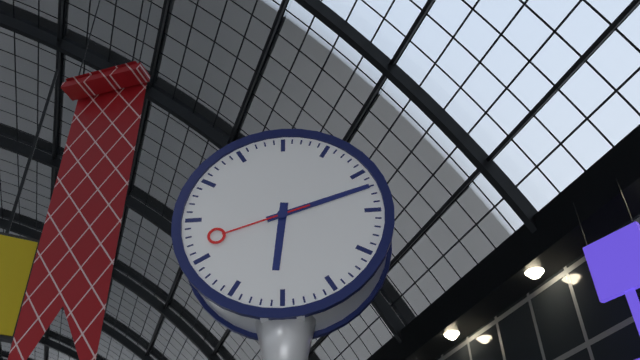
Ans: h=6 m=12 s=42
